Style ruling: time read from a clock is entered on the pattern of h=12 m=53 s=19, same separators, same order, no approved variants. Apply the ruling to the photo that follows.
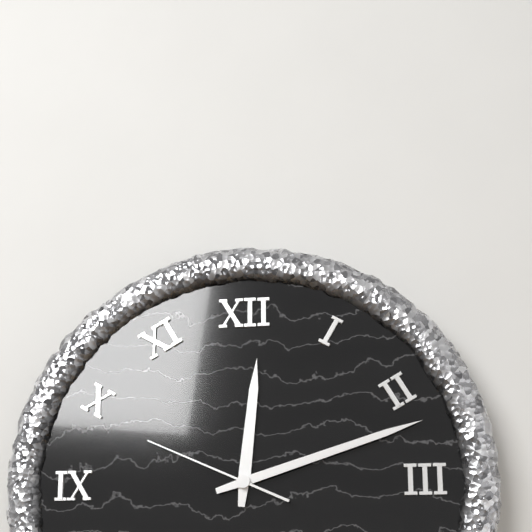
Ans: h=12 m=12 s=49
